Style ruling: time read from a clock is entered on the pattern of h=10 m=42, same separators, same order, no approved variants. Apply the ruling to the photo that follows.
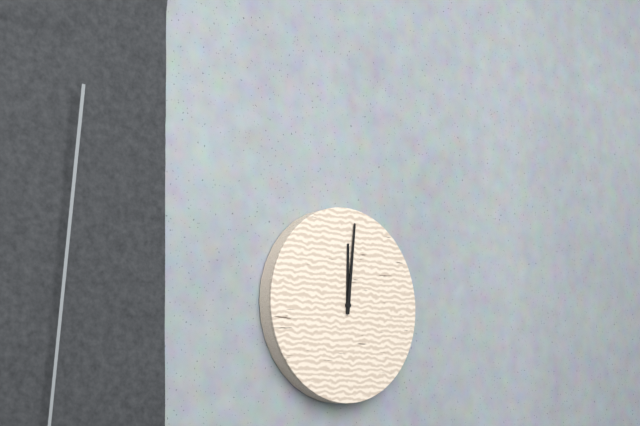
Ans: h=12 m=1
